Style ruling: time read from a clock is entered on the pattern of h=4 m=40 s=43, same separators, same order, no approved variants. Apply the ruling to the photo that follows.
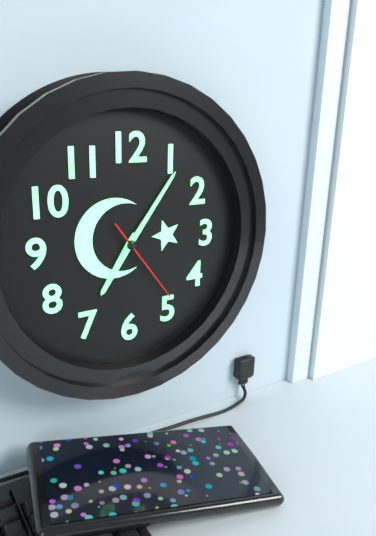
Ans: h=7 m=6 s=24
